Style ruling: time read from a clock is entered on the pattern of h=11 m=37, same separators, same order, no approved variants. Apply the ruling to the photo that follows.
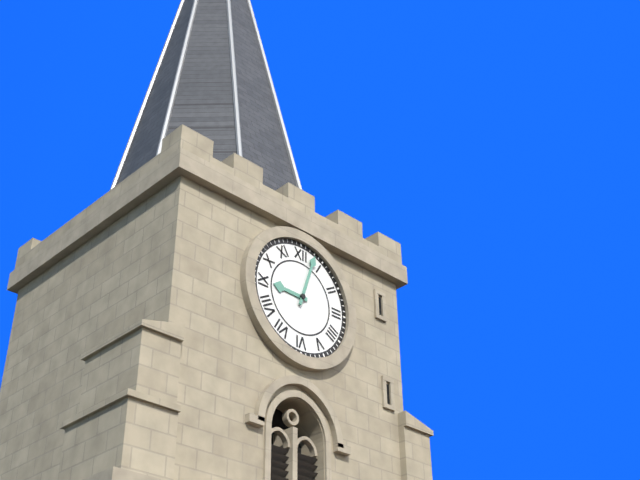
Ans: h=9 m=3
